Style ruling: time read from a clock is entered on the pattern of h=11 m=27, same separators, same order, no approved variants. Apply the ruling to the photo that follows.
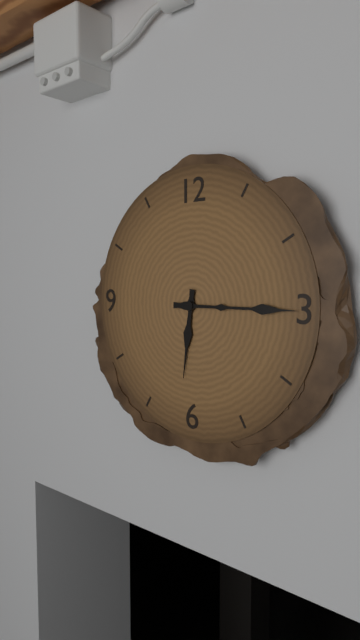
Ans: h=6 m=15
